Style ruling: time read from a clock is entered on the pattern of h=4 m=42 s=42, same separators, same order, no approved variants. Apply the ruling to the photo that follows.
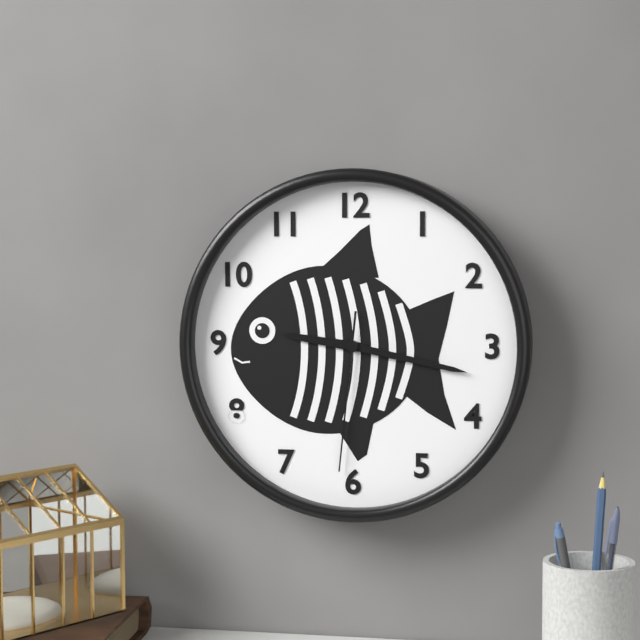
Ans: h=9 m=17 s=31
